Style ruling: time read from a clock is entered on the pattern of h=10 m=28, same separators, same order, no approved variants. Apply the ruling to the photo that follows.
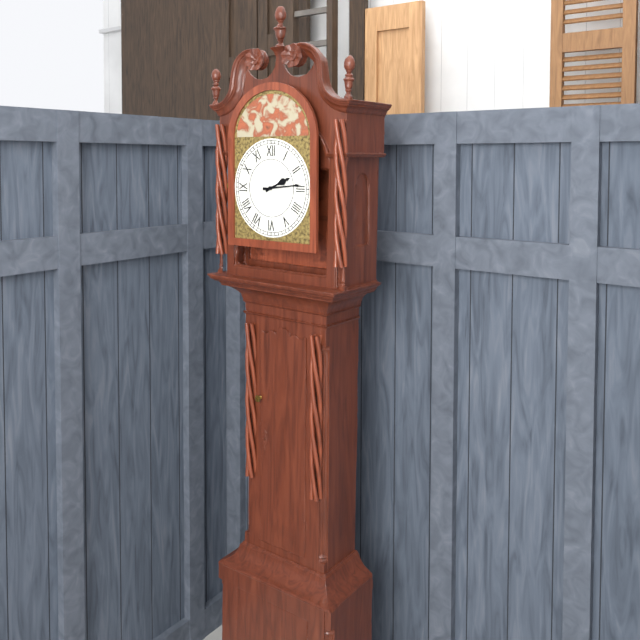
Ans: h=2 m=14
